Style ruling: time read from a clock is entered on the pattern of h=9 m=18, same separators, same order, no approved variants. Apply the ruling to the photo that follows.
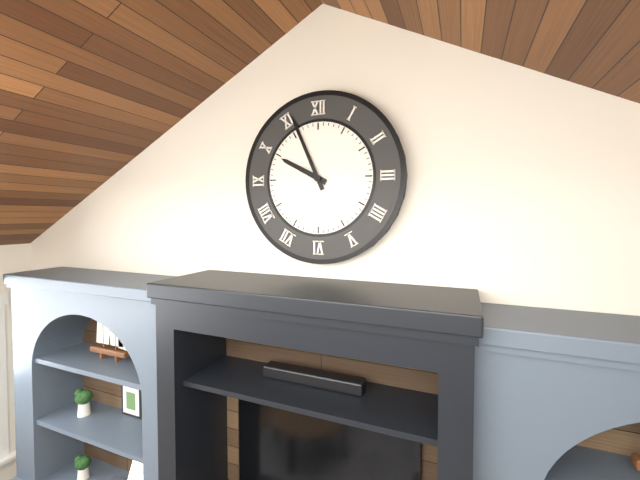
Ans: h=9 m=56
